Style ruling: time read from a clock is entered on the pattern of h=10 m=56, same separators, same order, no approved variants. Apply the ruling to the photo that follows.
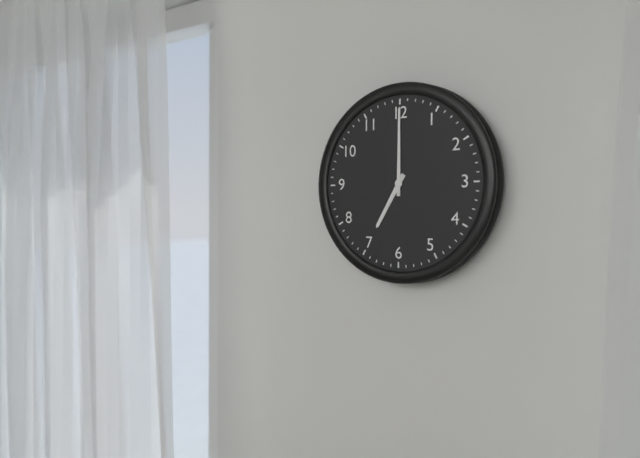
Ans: h=7 m=0
